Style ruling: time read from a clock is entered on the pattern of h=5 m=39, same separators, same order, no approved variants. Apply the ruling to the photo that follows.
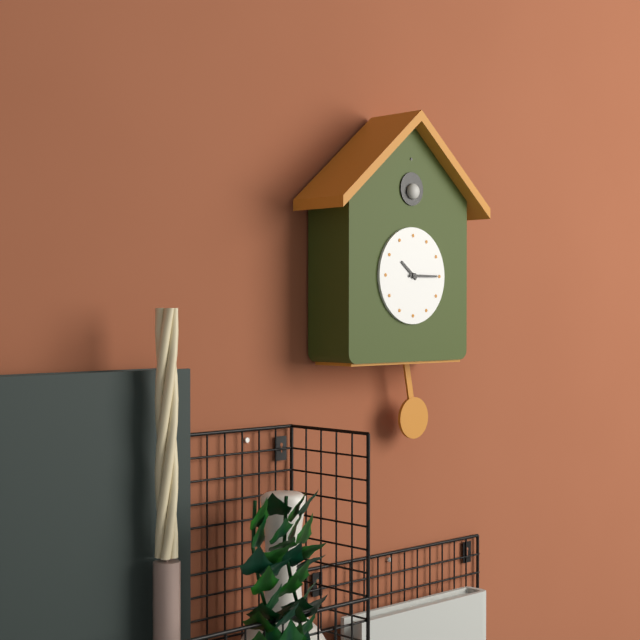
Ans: h=10 m=15
